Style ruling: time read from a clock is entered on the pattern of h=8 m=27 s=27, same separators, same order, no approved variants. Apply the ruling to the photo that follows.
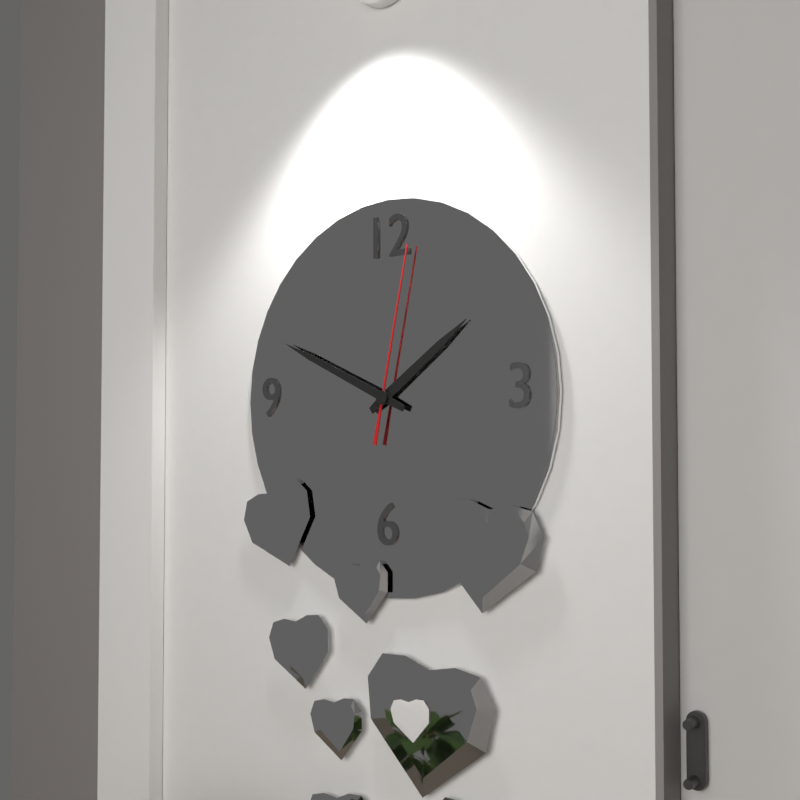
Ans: h=1 m=49 s=2
